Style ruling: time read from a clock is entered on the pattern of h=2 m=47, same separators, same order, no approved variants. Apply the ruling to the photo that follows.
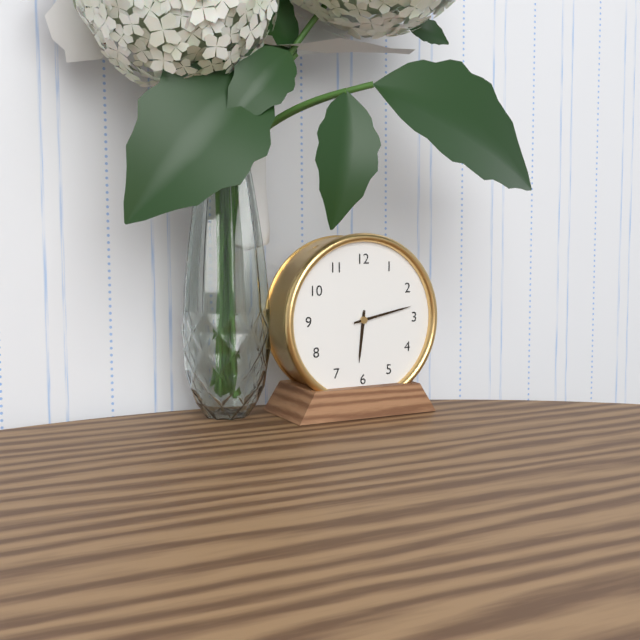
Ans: h=6 m=13
